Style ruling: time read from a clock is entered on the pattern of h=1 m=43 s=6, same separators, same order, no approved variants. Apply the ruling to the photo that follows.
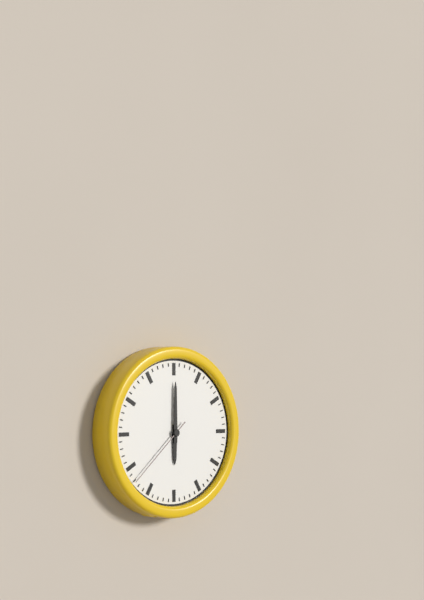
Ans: h=6 m=0 s=38
